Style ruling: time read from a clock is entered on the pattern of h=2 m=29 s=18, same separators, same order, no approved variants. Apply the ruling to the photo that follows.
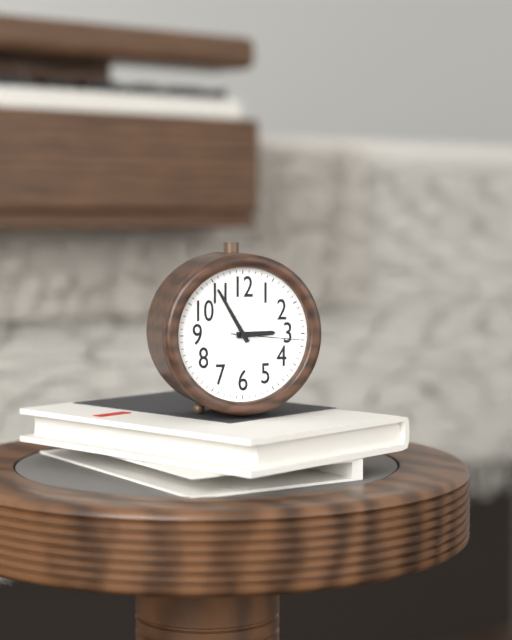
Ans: h=2 m=55 s=16
